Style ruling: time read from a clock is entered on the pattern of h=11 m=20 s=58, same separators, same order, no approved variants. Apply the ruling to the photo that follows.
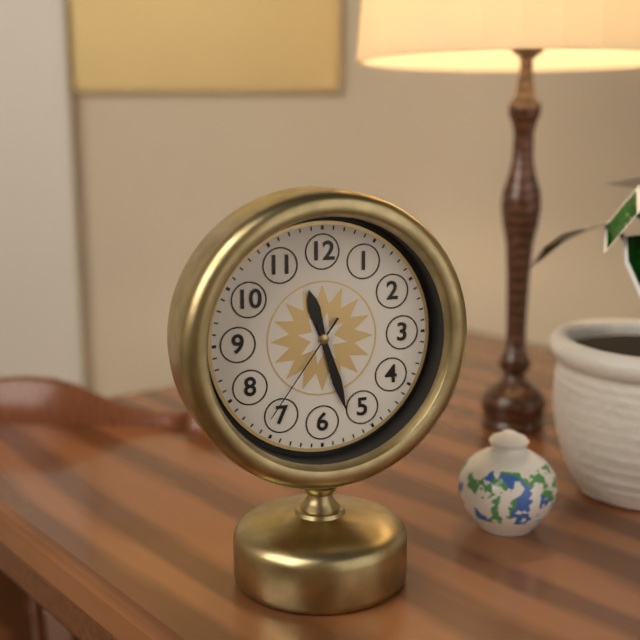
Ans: h=11 m=27 s=36
